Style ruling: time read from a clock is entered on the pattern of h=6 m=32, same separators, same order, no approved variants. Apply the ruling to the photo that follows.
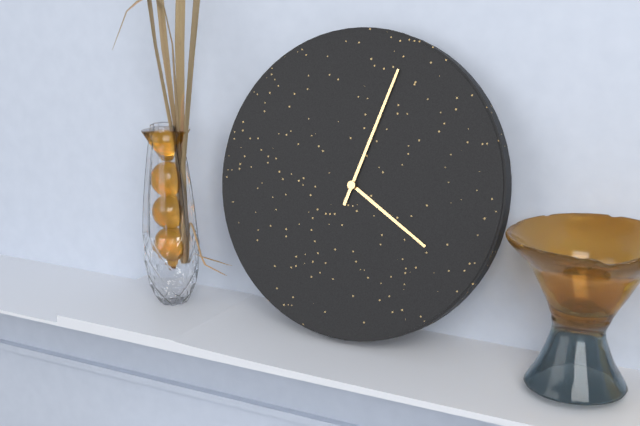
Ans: h=4 m=3
